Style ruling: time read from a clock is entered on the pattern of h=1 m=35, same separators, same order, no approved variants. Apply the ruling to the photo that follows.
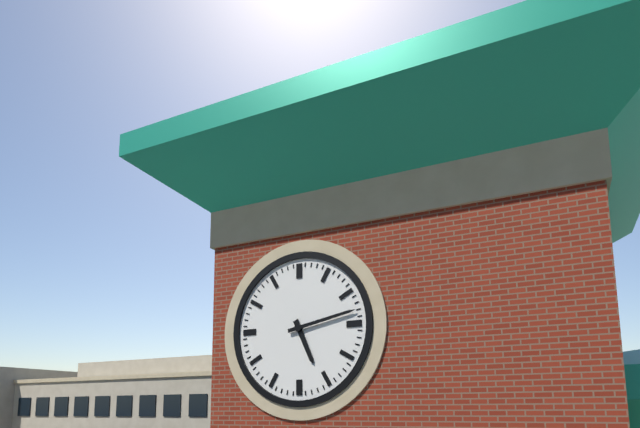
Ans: h=5 m=13
